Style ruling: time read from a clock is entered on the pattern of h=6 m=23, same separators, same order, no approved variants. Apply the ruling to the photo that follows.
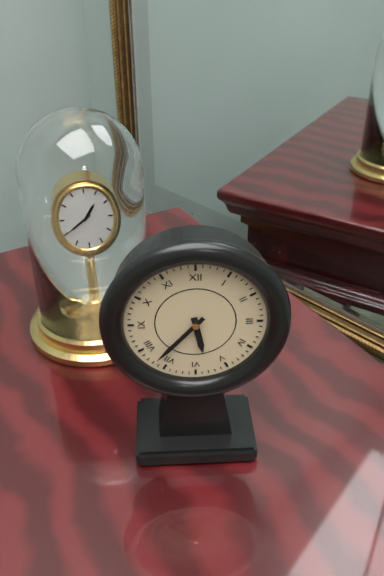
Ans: h=5 m=37
